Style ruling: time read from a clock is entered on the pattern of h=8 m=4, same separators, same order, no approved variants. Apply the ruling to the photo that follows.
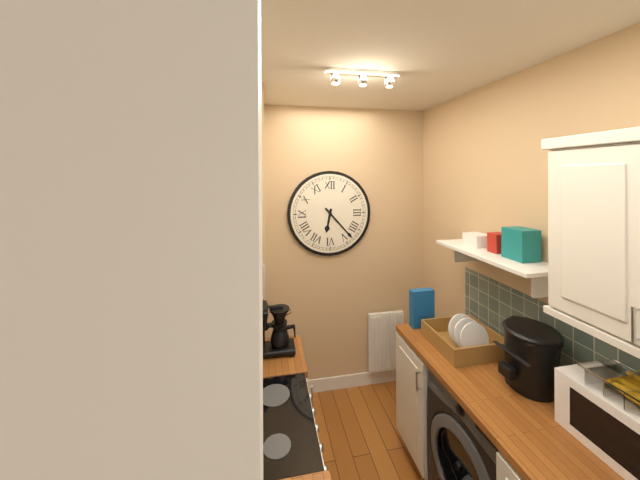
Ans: h=6 m=23
